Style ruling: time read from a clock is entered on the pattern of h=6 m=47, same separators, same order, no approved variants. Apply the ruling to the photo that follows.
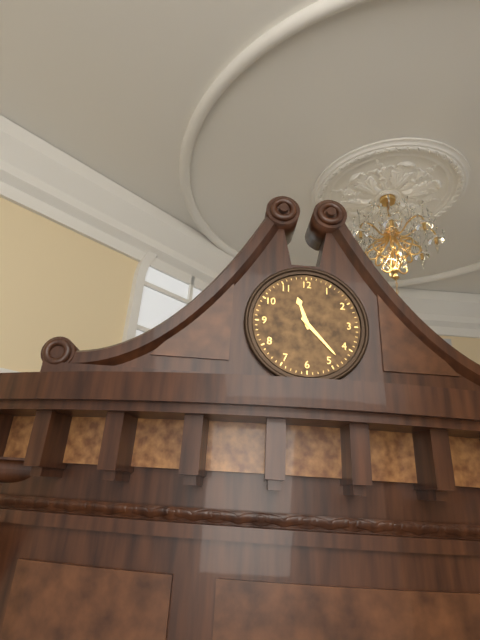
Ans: h=11 m=23
